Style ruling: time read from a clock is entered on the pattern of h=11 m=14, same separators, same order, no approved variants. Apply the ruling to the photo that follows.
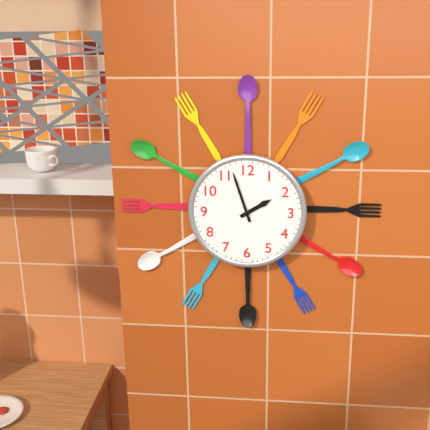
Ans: h=1 m=57
